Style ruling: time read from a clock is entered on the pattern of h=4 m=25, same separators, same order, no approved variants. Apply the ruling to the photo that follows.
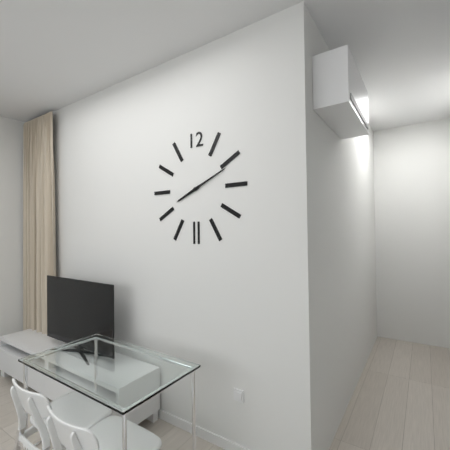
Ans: h=8 m=11
